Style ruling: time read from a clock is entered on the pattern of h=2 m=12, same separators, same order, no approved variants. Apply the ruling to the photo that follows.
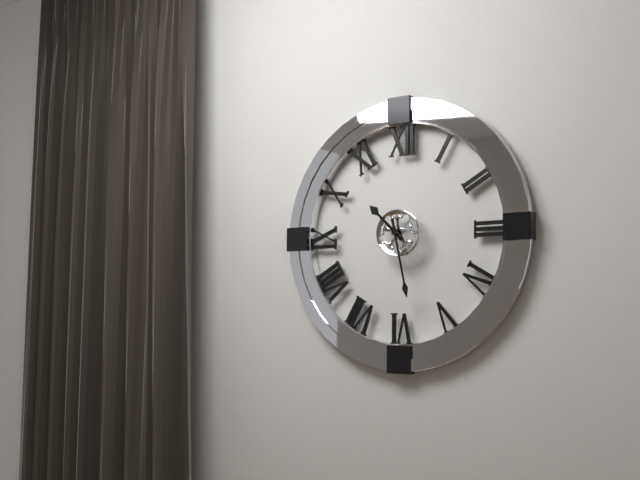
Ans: h=10 m=28
